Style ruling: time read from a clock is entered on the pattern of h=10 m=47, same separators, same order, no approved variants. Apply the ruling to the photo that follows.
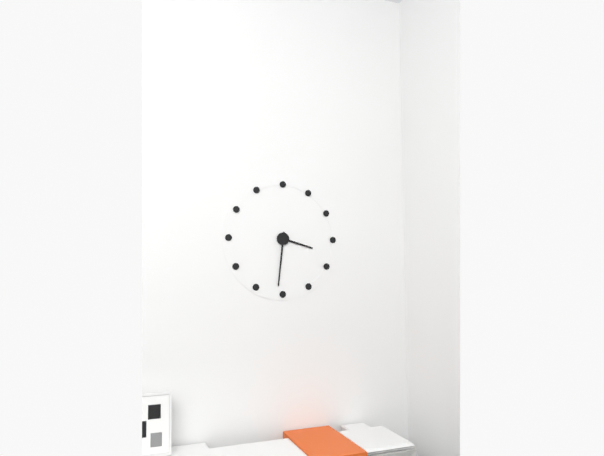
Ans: h=3 m=31
